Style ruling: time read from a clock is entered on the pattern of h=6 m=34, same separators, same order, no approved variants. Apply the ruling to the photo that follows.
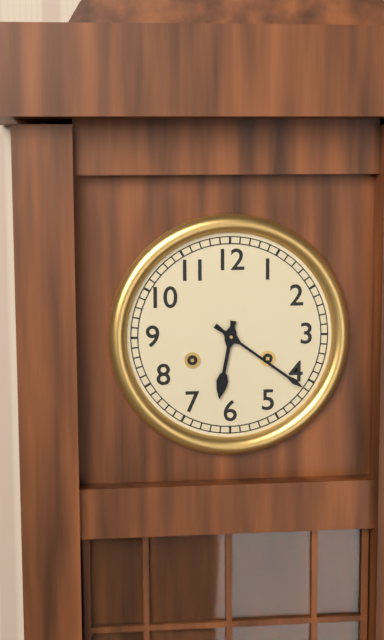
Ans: h=6 m=21
